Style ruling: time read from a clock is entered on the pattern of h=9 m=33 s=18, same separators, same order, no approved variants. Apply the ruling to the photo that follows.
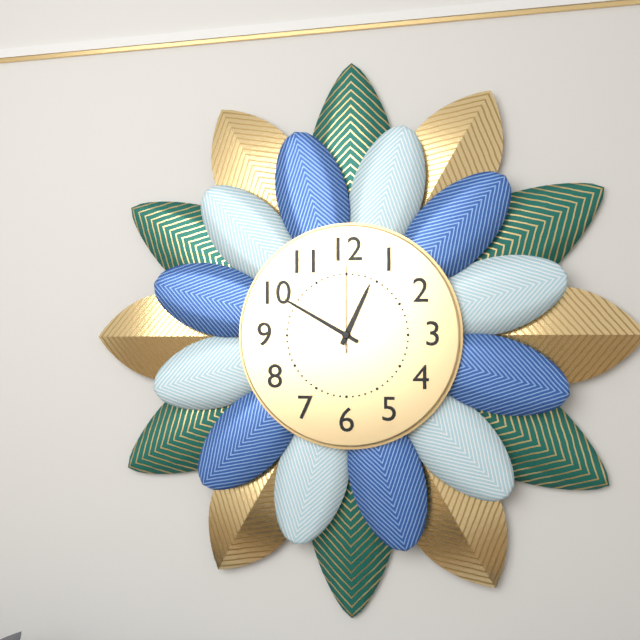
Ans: h=12 m=50 s=0
